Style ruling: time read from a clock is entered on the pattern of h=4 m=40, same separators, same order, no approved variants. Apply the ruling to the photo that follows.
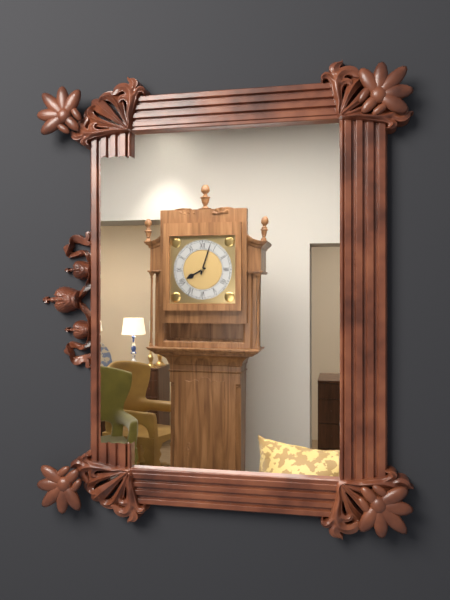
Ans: h=8 m=3
